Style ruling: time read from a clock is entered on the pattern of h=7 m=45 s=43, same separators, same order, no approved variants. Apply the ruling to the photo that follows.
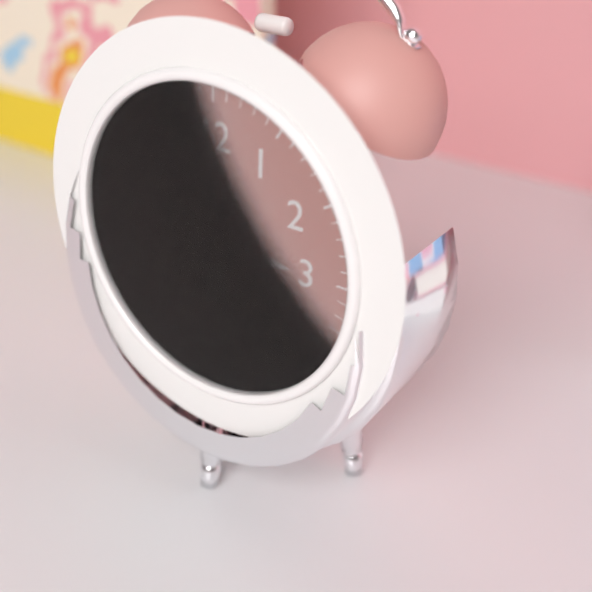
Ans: h=2 m=59 s=37
